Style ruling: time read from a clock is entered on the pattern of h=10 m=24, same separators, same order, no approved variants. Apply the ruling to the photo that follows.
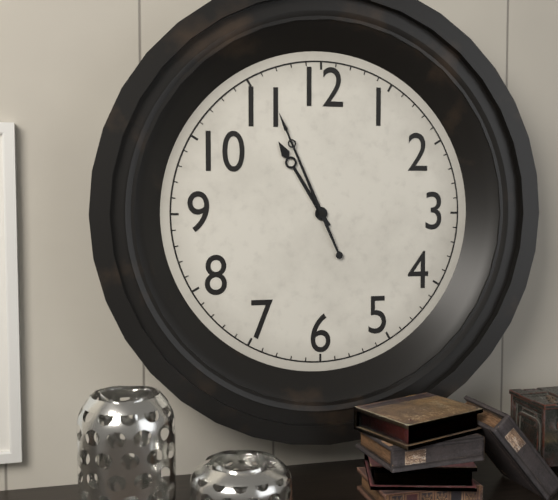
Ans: h=10 m=56
